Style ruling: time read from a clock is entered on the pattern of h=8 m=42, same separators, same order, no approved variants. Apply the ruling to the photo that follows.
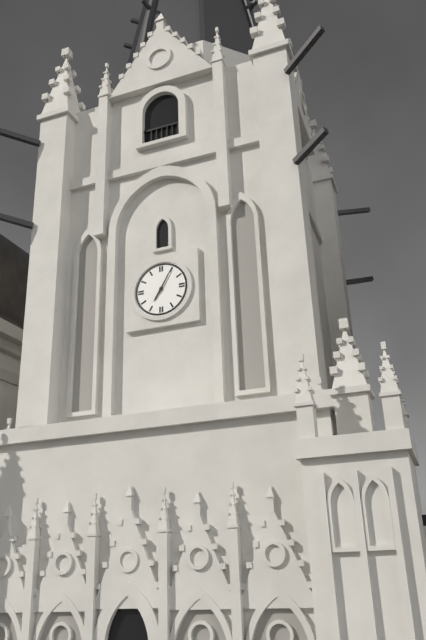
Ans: h=7 m=5
